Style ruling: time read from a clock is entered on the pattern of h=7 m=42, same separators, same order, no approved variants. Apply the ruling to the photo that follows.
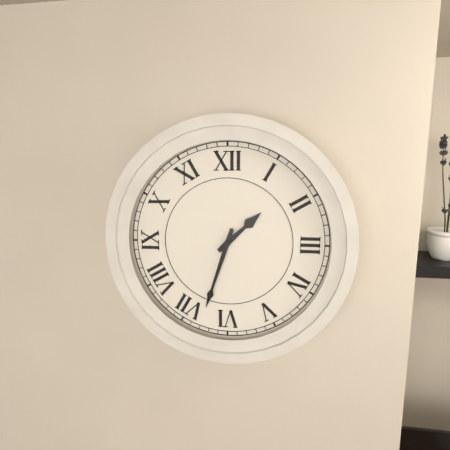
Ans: h=1 m=33
